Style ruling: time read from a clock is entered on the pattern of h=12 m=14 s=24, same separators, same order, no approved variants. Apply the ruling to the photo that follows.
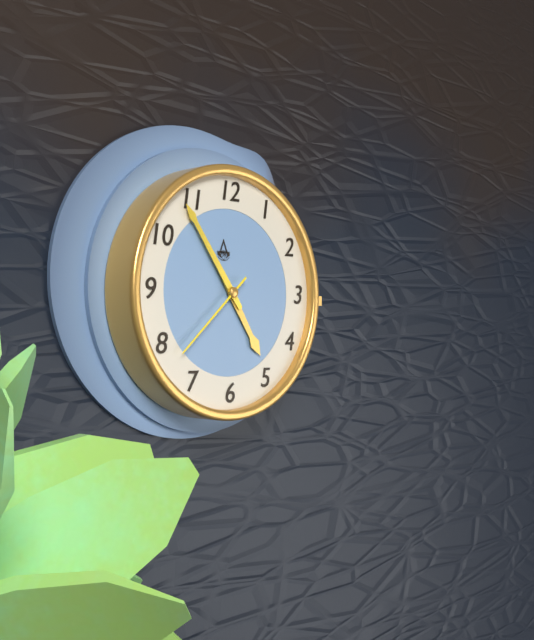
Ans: h=4 m=54 s=38
